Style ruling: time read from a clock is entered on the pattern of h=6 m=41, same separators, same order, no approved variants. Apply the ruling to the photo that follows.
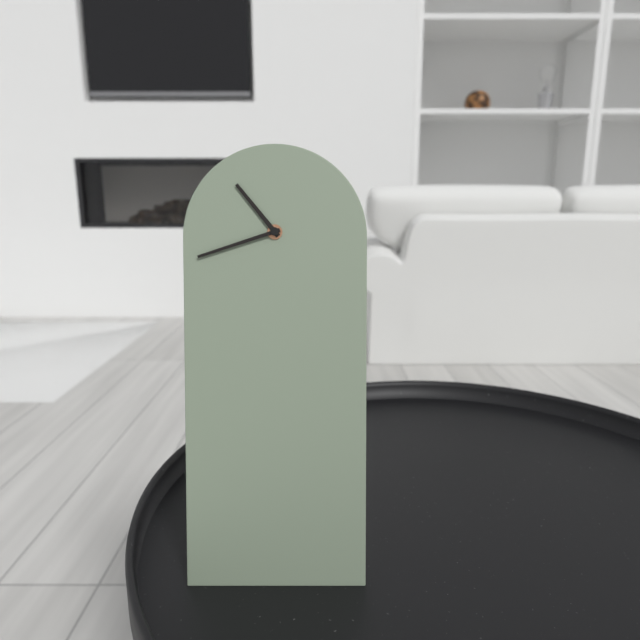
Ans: h=10 m=42
